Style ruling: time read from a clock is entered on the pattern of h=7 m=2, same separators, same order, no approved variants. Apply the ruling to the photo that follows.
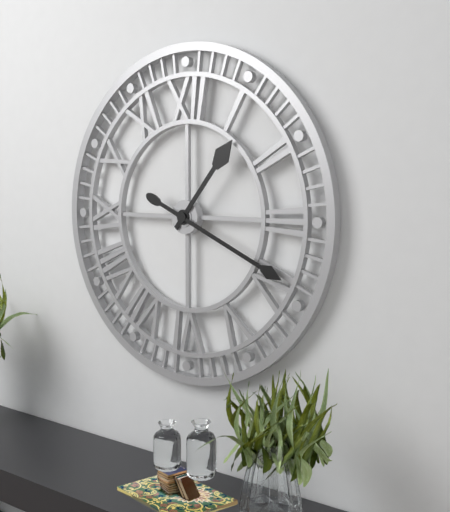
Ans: h=1 m=19
